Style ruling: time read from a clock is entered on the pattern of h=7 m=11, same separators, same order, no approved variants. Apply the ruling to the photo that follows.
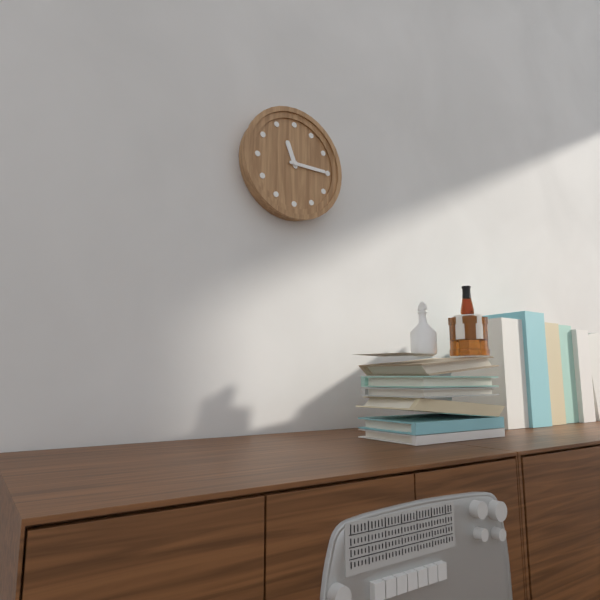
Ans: h=11 m=15
